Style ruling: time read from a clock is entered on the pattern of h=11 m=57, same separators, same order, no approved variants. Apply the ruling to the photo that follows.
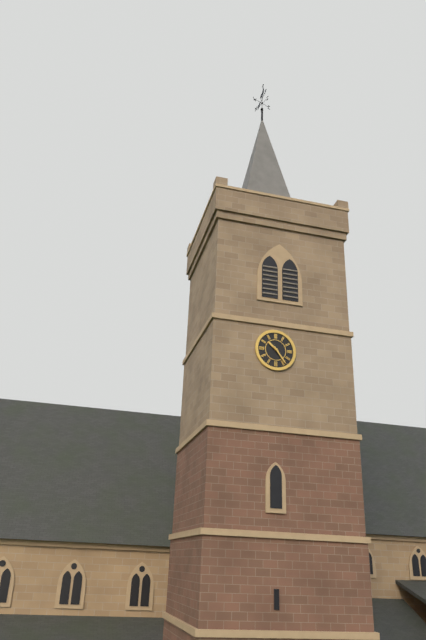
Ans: h=10 m=24
